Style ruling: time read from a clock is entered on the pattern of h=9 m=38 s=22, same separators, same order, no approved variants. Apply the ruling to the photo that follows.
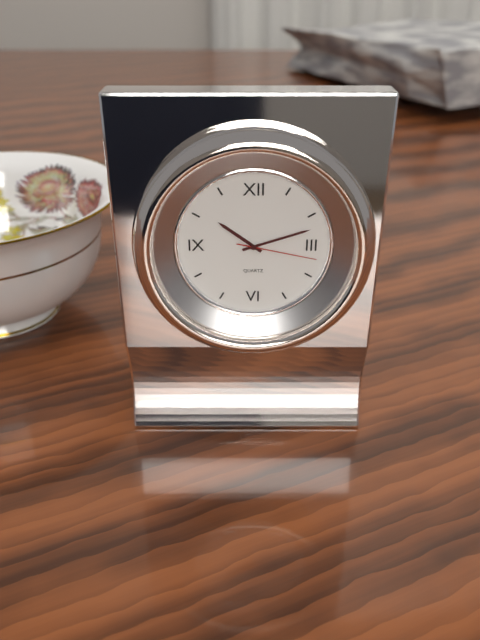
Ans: h=10 m=12 s=17
